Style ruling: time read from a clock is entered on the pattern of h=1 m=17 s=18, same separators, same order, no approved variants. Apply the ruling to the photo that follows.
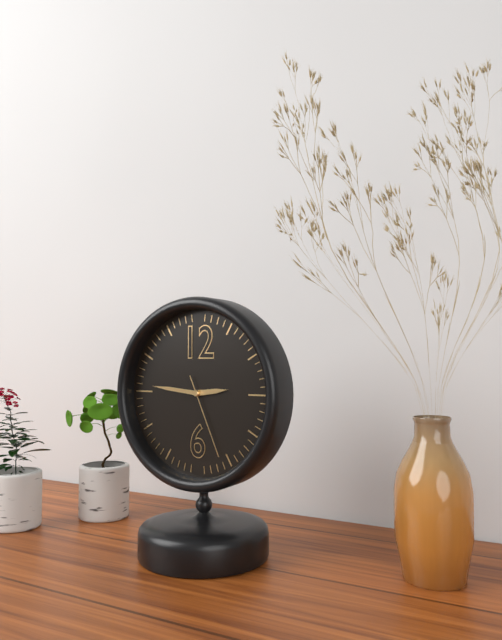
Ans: h=2 m=46 s=26
